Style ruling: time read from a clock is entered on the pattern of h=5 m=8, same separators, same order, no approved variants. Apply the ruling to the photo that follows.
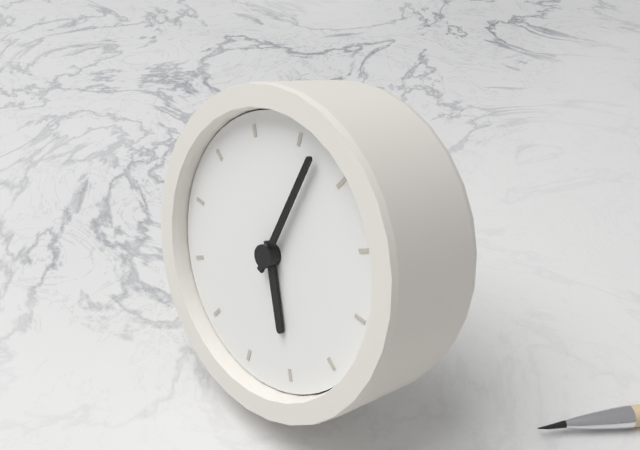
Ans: h=5 m=2
